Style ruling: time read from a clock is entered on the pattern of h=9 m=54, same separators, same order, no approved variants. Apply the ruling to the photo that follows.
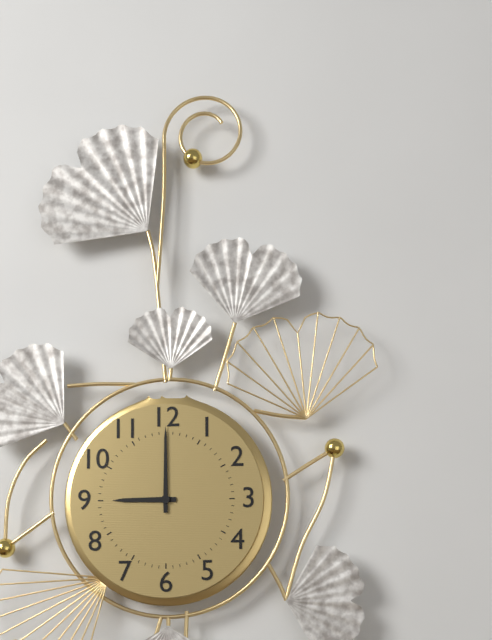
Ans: h=9 m=0
